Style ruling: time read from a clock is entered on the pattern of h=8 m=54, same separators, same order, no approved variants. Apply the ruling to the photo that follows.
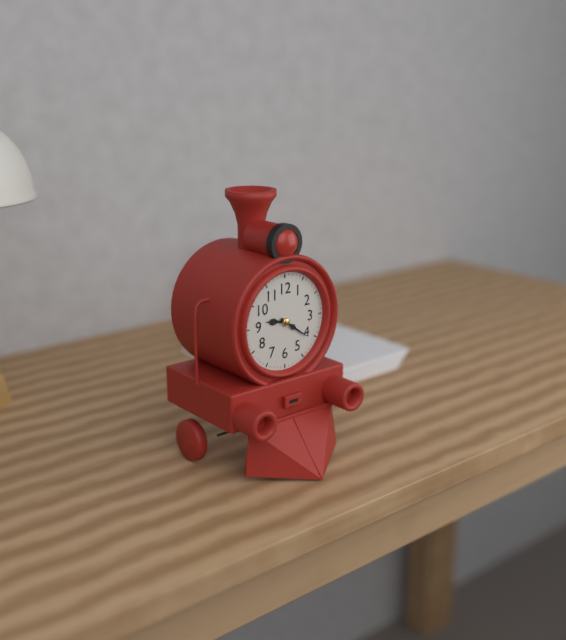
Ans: h=9 m=21
